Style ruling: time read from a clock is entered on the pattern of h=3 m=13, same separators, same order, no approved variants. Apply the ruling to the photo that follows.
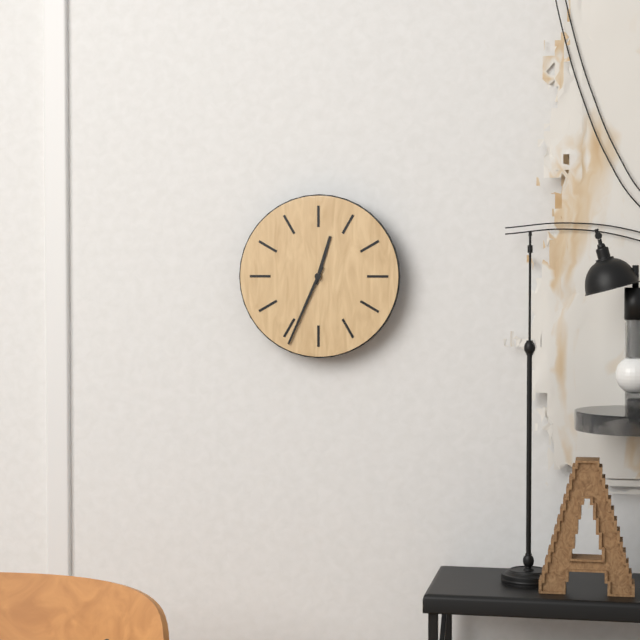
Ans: h=12 m=34
